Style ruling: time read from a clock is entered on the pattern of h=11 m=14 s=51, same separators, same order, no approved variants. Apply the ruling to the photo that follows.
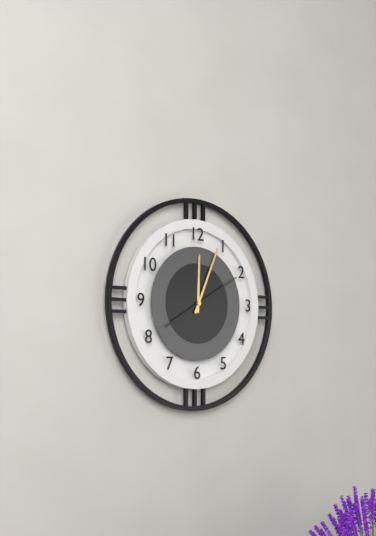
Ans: h=12 m=4 s=10
